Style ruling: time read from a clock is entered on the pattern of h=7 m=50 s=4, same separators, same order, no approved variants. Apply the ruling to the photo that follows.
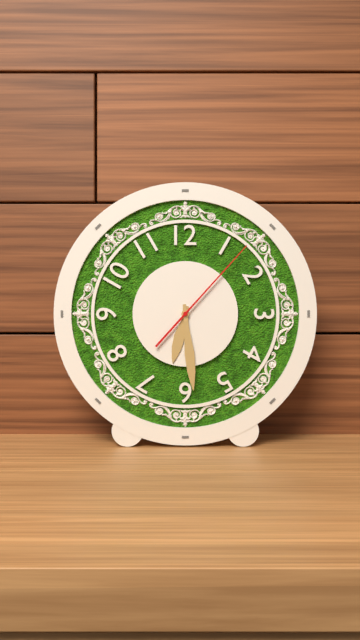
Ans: h=6 m=29 s=7
